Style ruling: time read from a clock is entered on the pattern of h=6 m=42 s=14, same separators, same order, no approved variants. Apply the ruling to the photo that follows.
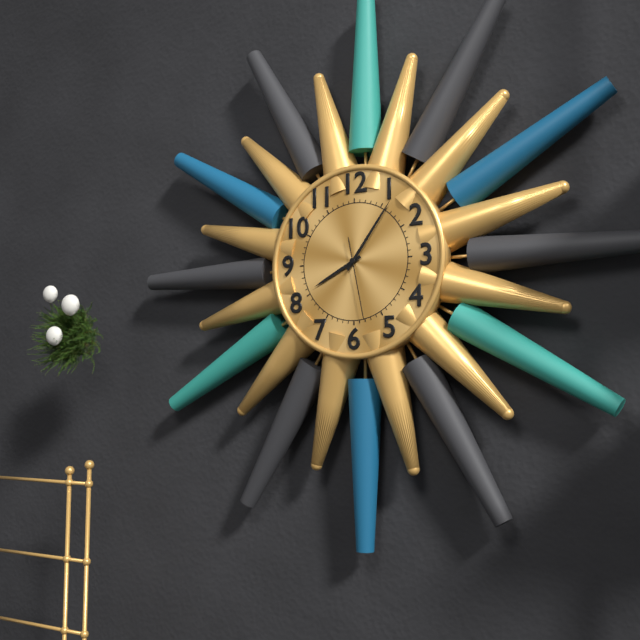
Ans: h=8 m=6 s=28
